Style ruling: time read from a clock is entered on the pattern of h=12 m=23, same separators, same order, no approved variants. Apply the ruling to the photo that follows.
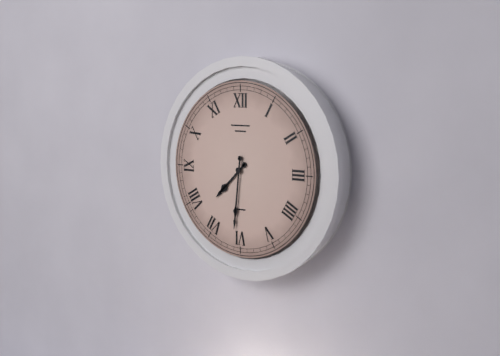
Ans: h=7 m=31
